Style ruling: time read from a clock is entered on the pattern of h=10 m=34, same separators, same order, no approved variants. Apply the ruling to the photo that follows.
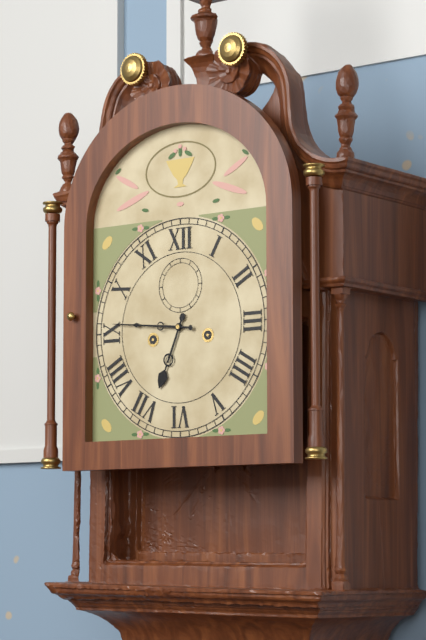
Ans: h=6 m=46
